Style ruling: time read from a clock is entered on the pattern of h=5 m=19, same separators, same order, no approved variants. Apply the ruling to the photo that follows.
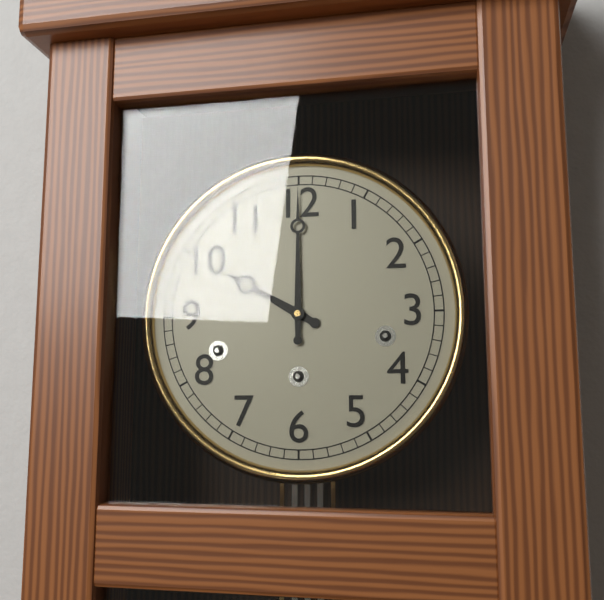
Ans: h=10 m=0
